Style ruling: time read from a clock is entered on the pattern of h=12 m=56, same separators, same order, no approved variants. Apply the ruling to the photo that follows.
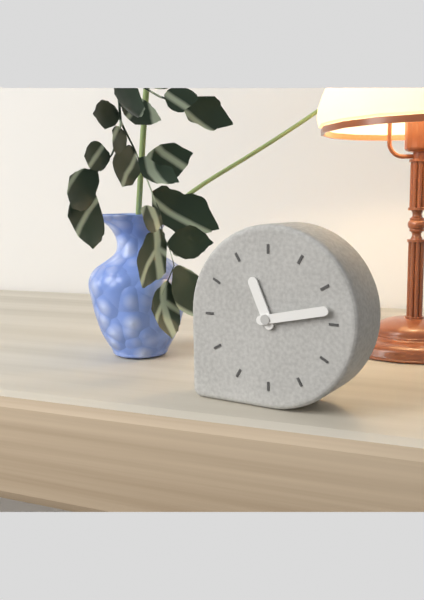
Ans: h=11 m=13
